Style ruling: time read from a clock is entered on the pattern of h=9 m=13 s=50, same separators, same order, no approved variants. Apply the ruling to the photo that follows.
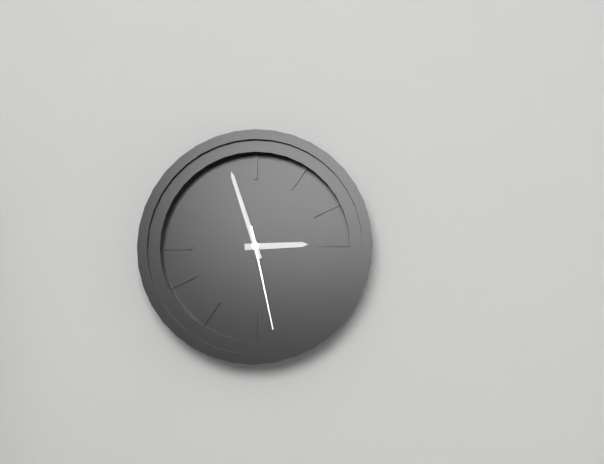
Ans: h=2 m=57 s=28
